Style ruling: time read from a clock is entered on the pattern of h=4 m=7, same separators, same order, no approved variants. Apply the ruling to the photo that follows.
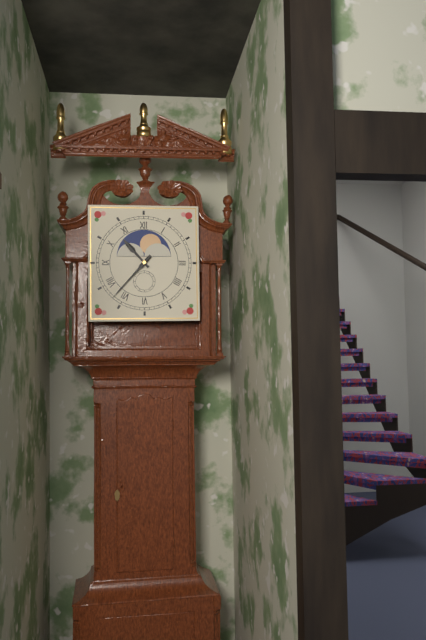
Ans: h=10 m=37
